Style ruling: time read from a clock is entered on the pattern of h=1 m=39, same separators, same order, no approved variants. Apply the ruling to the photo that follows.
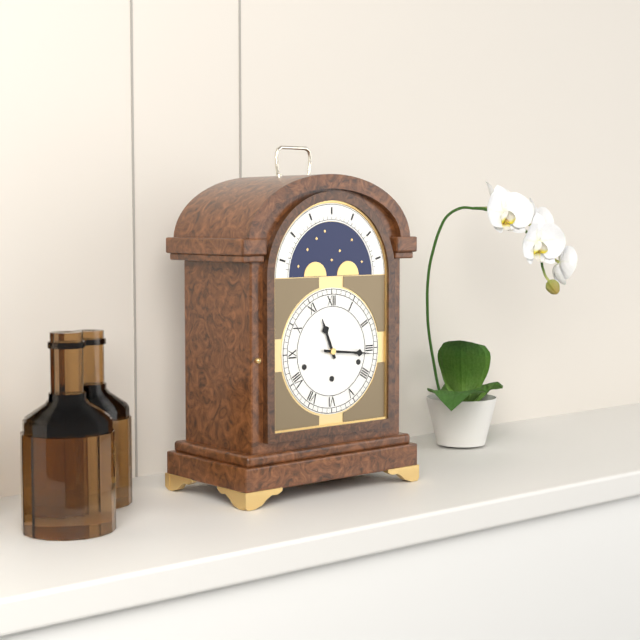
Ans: h=11 m=16
